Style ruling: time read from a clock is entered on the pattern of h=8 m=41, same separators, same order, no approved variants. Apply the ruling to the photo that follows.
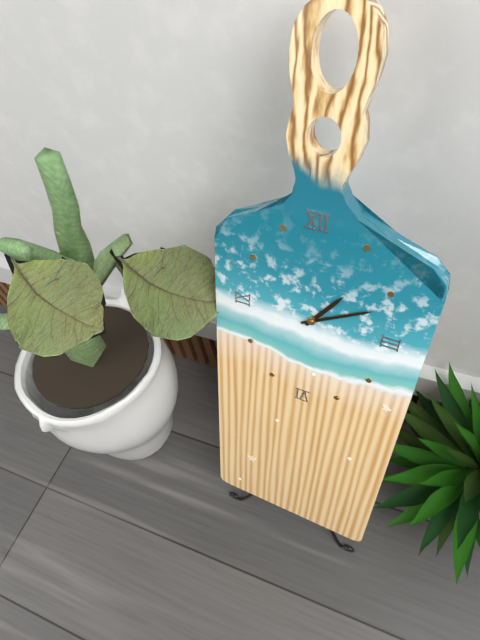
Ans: h=1 m=10
